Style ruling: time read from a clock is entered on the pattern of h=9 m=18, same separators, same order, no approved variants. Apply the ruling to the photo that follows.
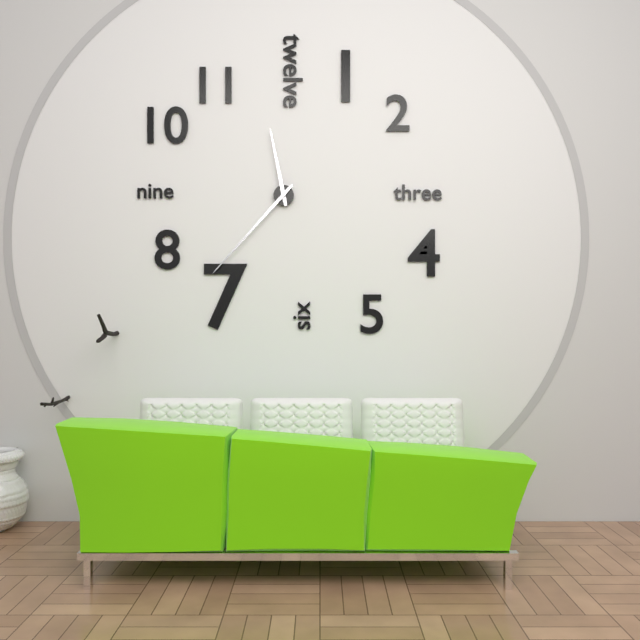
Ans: h=11 m=37
